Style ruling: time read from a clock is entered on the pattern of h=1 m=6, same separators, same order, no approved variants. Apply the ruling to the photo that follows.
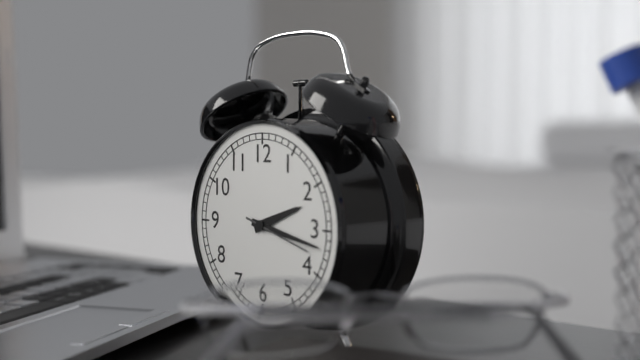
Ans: h=2 m=17
